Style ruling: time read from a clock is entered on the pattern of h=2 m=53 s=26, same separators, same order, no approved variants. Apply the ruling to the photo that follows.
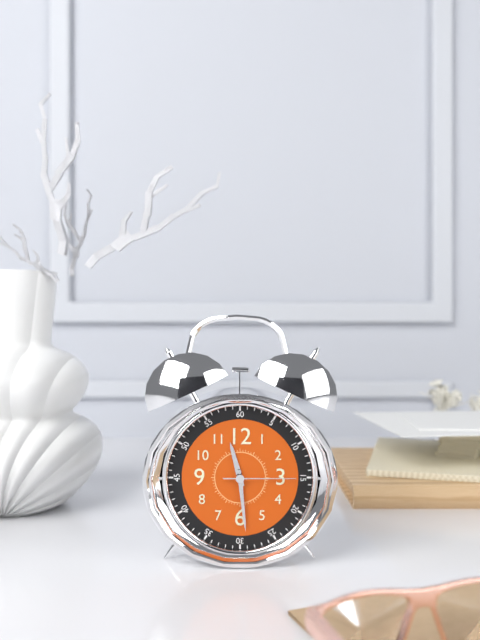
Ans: h=11 m=29 s=15
